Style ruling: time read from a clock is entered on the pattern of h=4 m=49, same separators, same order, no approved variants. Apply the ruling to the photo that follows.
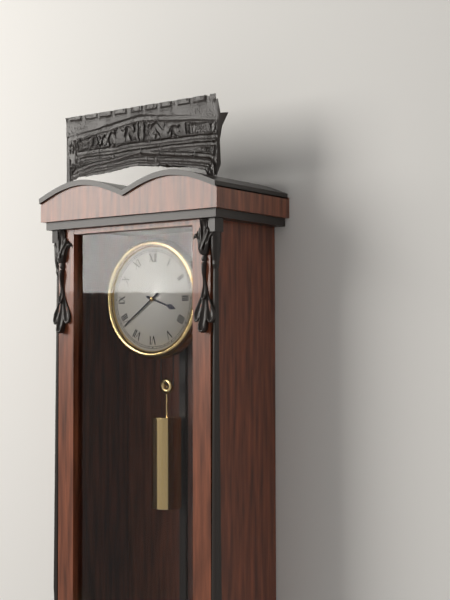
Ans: h=3 m=39
